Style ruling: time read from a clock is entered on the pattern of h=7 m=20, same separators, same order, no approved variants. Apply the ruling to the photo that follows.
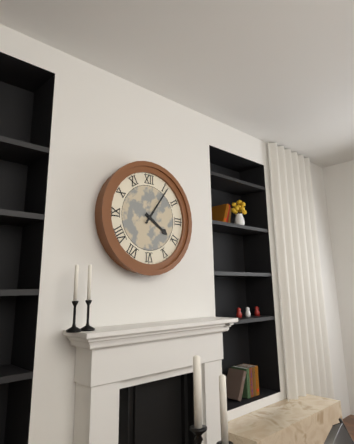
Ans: h=4 m=6
